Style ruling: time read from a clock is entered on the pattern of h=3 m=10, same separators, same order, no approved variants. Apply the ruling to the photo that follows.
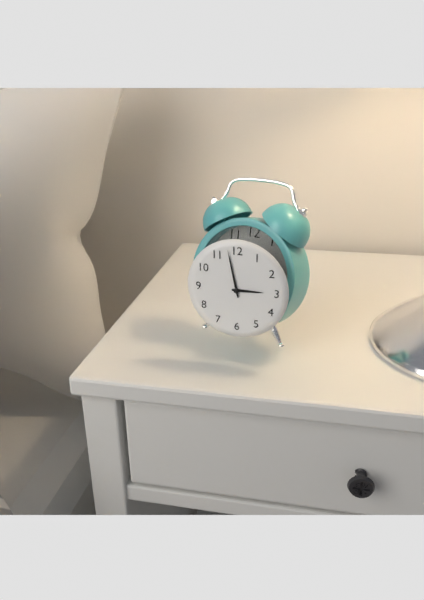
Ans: h=2 m=58
